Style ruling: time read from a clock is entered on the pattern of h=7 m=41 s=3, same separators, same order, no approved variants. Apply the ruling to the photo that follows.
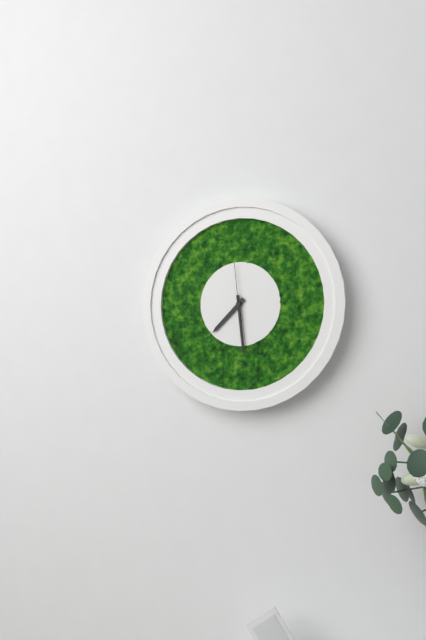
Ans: h=7 m=29 s=59
